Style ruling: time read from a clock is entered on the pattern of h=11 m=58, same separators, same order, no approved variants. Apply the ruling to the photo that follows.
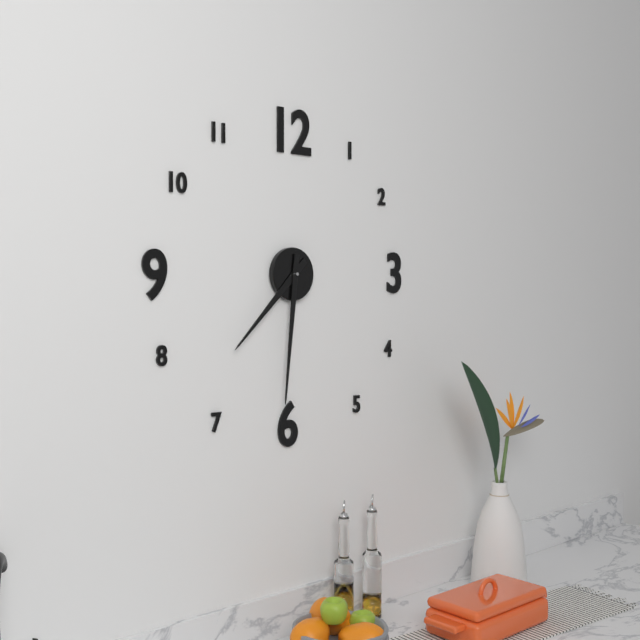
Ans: h=7 m=31
